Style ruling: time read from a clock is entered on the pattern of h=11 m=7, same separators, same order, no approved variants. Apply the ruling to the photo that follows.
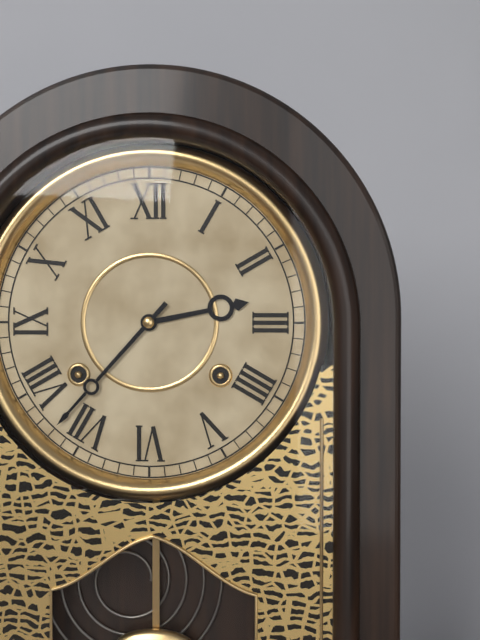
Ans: h=2 m=37
